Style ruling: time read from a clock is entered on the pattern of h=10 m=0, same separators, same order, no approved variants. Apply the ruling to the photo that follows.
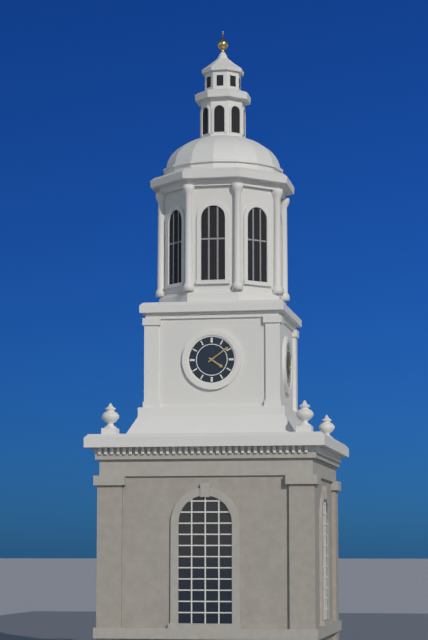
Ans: h=4 m=9
